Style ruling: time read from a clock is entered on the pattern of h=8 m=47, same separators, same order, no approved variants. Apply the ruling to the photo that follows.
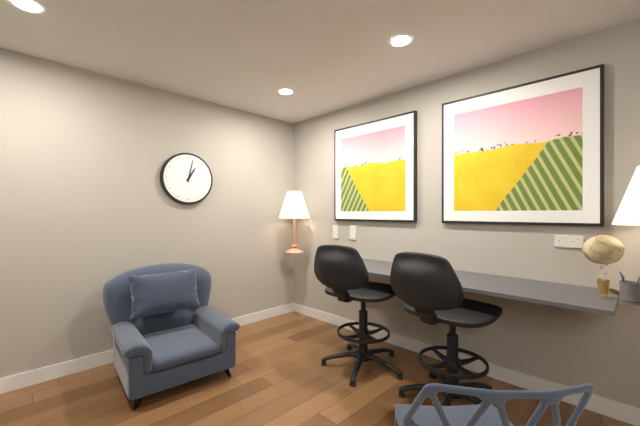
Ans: h=1 m=2
